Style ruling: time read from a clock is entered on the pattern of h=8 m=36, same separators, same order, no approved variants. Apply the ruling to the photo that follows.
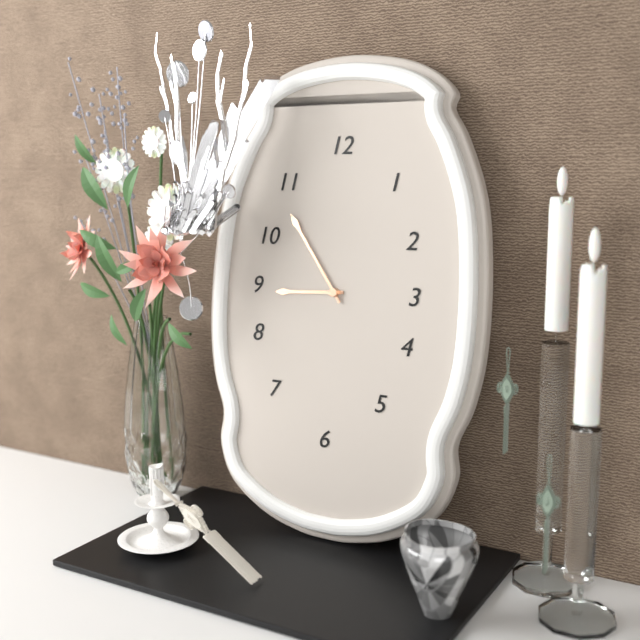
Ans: h=8 m=54
